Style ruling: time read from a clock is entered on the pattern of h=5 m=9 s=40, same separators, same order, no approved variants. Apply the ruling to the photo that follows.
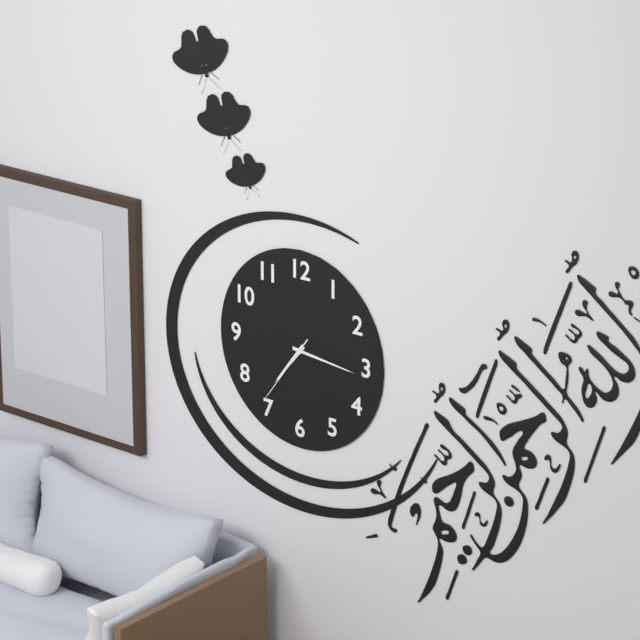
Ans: h=7 m=16 s=36
